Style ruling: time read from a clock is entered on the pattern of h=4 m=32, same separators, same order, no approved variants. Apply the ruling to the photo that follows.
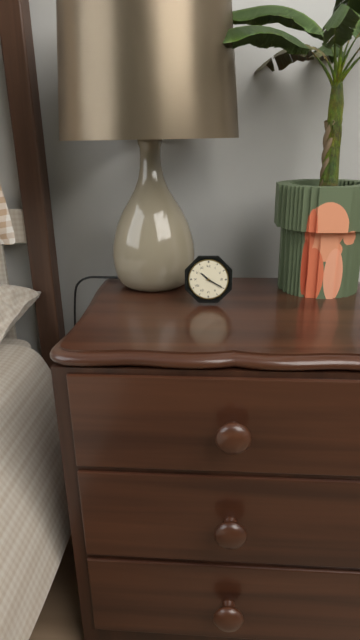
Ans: h=10 m=20
